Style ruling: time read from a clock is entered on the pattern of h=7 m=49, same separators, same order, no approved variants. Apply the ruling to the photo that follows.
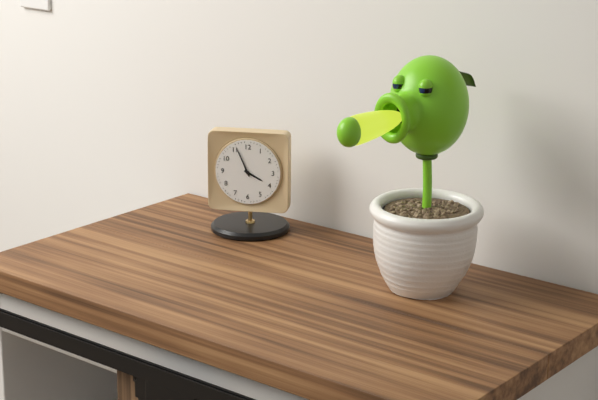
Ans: h=3 m=56
